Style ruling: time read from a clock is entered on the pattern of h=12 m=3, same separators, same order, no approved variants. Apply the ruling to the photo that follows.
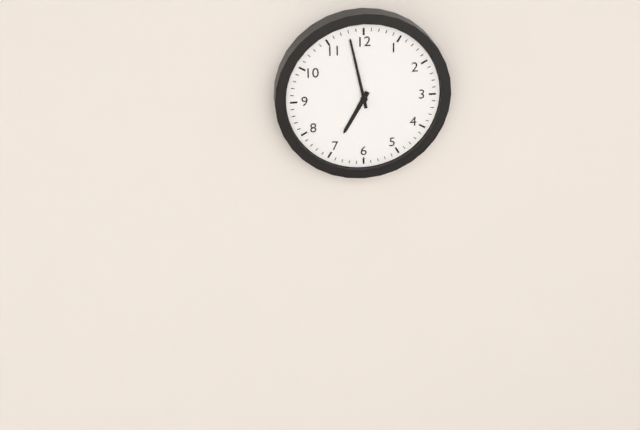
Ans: h=6 m=58
